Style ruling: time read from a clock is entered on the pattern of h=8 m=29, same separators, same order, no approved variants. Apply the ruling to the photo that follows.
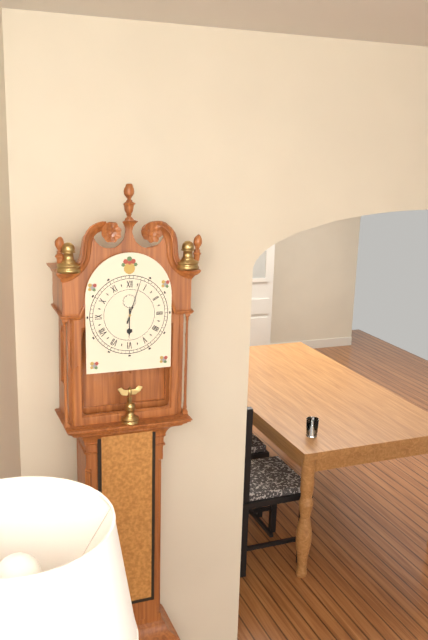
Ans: h=6 m=3
